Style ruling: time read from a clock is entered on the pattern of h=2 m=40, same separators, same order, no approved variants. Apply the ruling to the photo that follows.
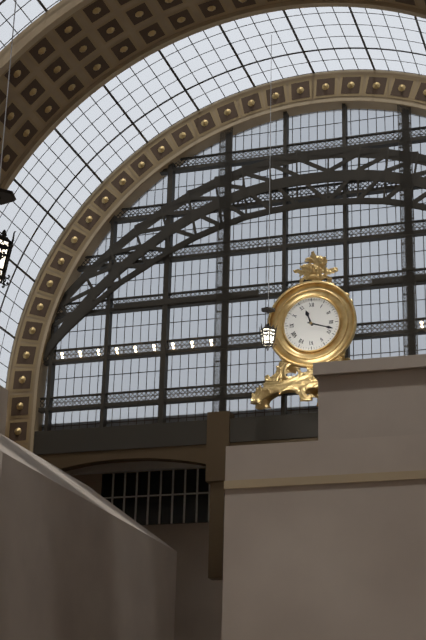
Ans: h=11 m=18
